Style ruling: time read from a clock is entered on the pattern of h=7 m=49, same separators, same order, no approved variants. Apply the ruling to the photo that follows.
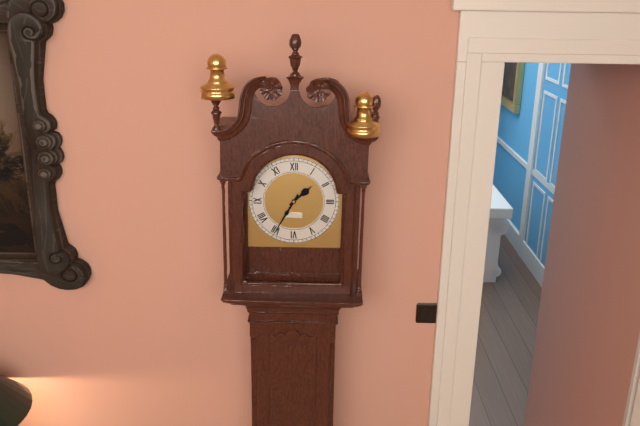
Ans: h=1 m=35
